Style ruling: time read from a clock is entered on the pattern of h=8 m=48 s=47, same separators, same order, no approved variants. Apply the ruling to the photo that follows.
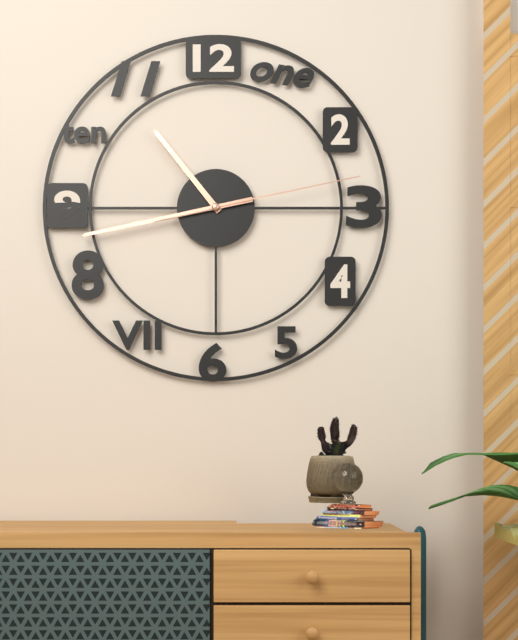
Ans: h=10 m=43 s=13
